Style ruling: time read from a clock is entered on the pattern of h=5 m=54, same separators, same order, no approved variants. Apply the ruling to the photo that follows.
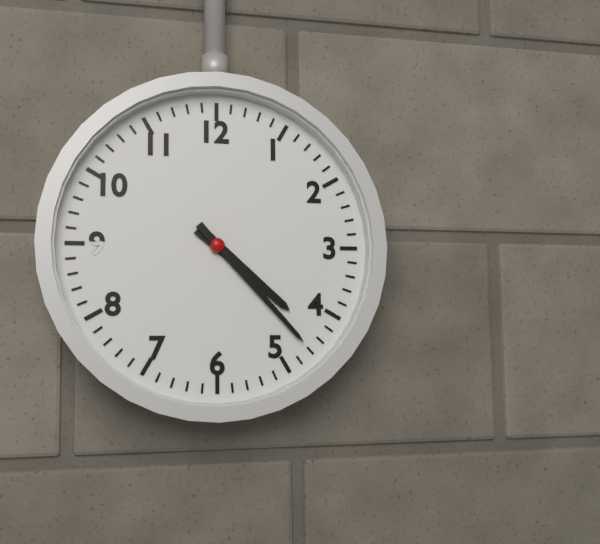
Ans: h=4 m=23
